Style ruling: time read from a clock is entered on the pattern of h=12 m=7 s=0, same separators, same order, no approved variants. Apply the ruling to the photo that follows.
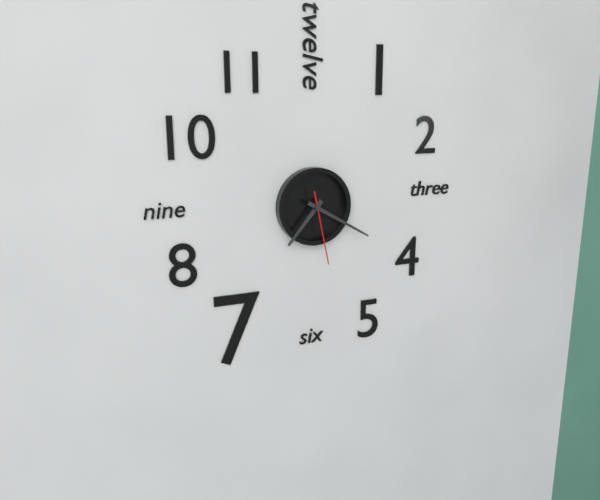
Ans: h=7 m=20 s=28
